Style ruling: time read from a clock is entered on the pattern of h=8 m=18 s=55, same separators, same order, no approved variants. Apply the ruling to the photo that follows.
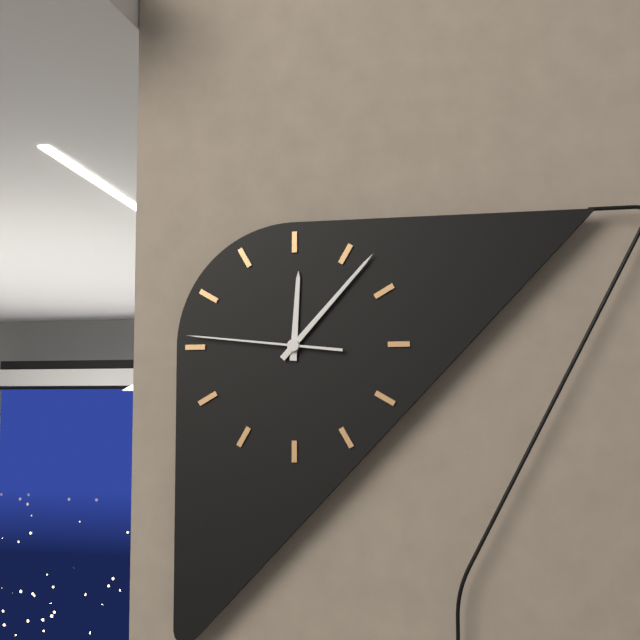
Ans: h=12 m=7 s=46
